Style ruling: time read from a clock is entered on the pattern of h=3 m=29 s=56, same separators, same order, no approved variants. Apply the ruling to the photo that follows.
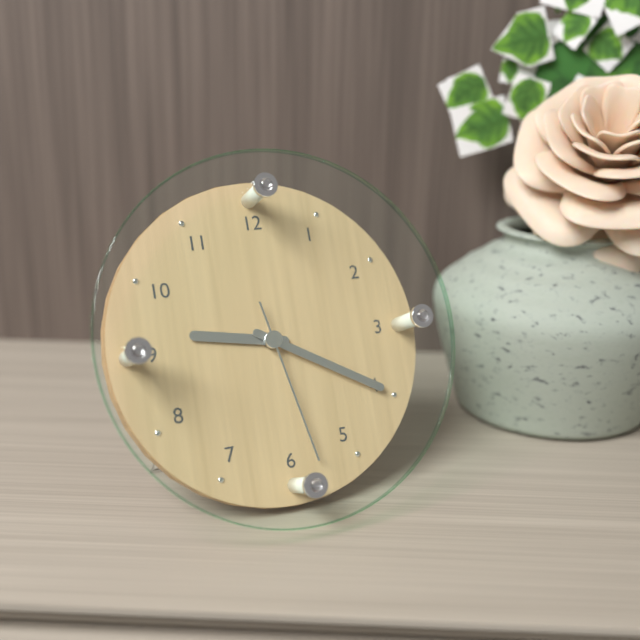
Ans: h=9 m=20 s=28
